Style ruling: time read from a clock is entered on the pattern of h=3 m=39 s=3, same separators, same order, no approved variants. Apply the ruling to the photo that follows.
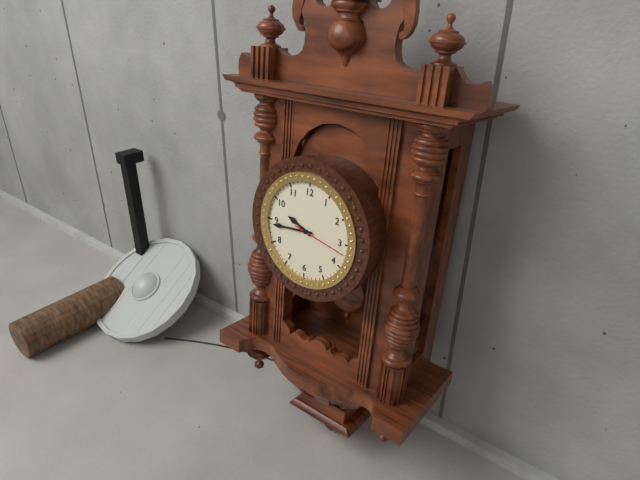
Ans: h=9 m=44 s=17
